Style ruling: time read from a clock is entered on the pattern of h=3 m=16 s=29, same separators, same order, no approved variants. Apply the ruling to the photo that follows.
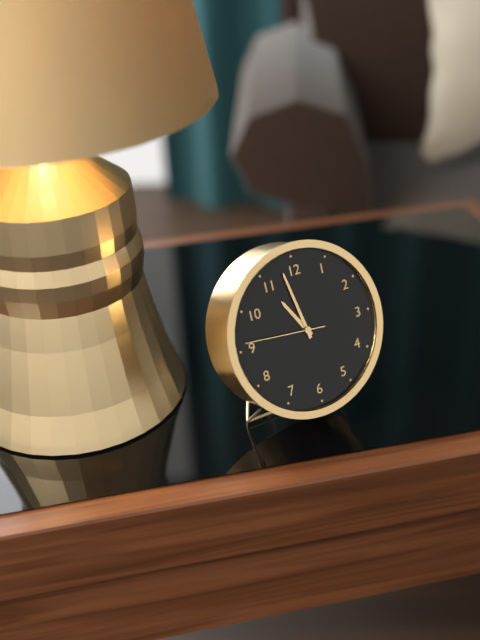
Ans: h=10 m=58 s=46
